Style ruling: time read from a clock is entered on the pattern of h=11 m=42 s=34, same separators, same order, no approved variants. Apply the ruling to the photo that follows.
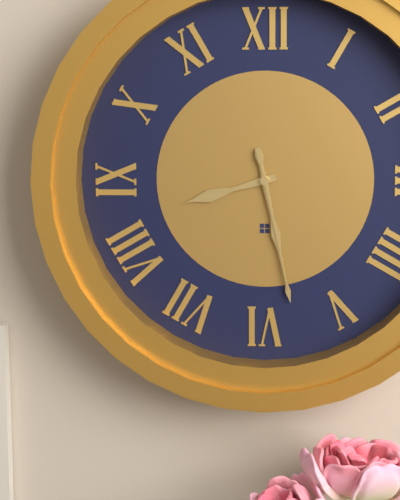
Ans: h=8 m=28 s=28
